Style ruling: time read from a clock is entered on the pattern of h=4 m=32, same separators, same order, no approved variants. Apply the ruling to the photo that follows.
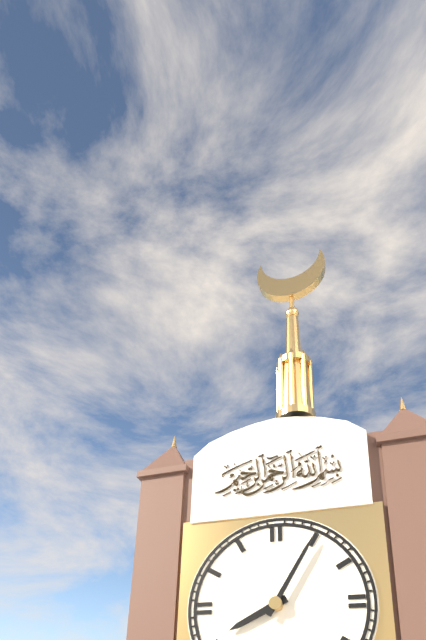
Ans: h=8 m=5
